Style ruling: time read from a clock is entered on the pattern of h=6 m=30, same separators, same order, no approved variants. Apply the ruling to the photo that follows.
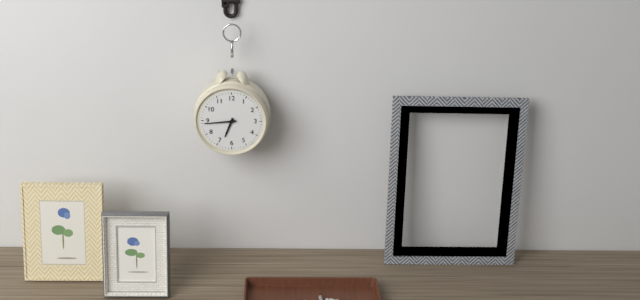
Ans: h=6 m=44
